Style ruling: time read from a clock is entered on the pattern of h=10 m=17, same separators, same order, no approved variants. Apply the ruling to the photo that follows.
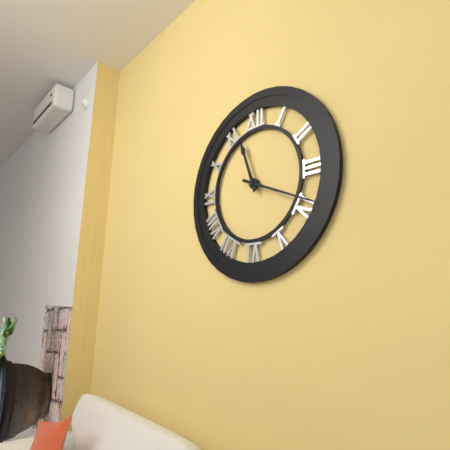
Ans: h=11 m=19
